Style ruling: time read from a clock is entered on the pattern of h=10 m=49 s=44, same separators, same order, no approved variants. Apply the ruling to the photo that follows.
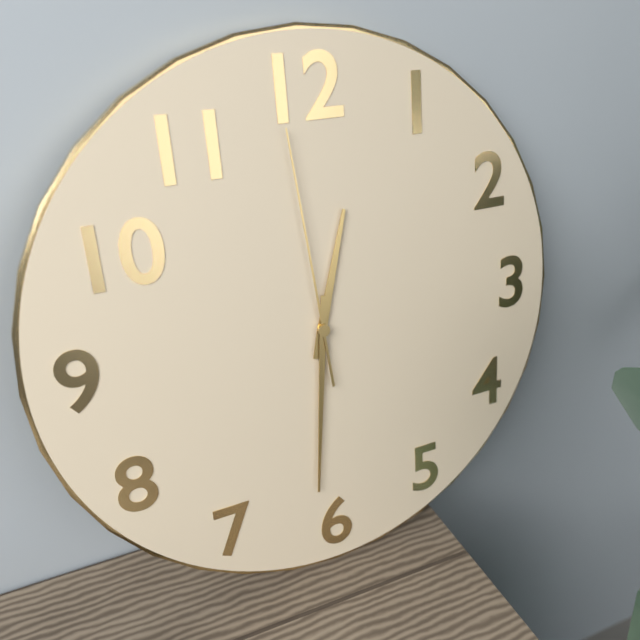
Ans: h=12 m=31 s=59
